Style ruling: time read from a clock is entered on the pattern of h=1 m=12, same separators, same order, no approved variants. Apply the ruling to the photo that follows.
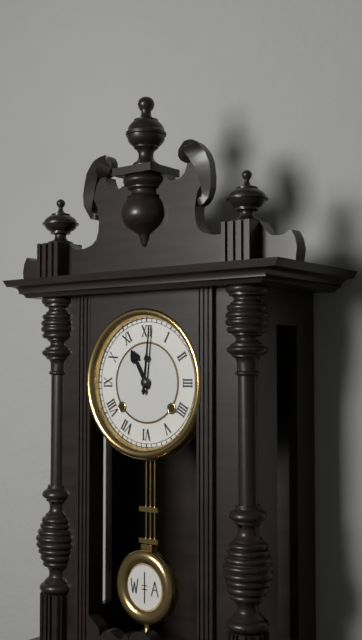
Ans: h=11 m=1
